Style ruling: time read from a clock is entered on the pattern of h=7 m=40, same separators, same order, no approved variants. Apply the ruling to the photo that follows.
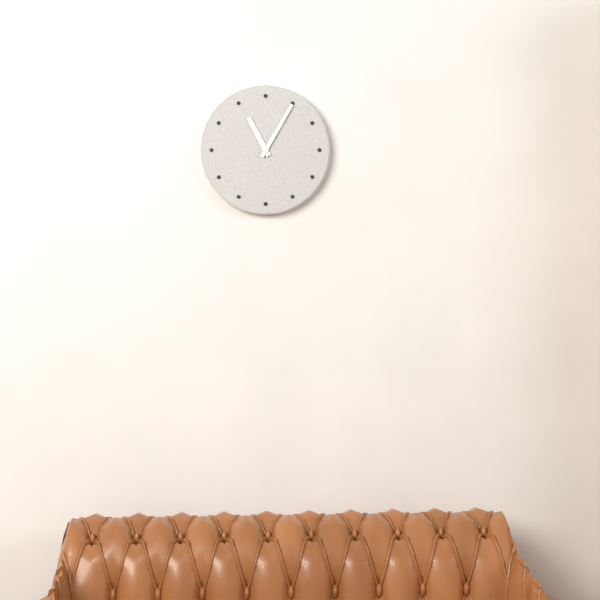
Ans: h=11 m=5
